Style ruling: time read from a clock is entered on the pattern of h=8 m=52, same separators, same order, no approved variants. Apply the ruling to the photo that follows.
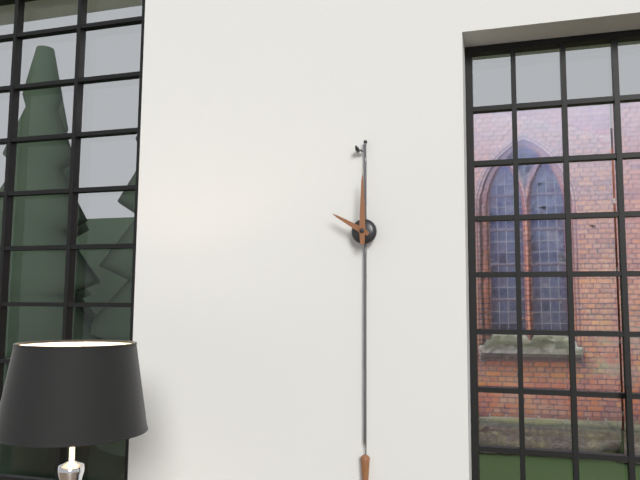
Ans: h=10 m=0
